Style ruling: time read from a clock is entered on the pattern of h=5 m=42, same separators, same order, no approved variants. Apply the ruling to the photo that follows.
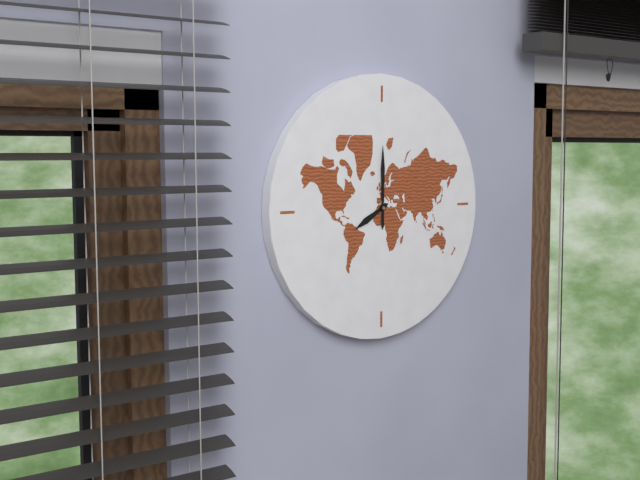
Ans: h=8 m=0
